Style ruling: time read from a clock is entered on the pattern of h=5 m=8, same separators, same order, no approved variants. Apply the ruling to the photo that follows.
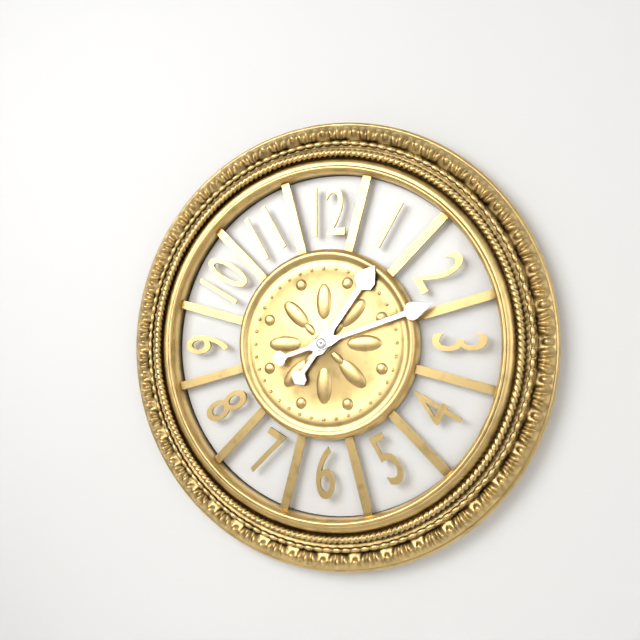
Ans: h=1 m=12
